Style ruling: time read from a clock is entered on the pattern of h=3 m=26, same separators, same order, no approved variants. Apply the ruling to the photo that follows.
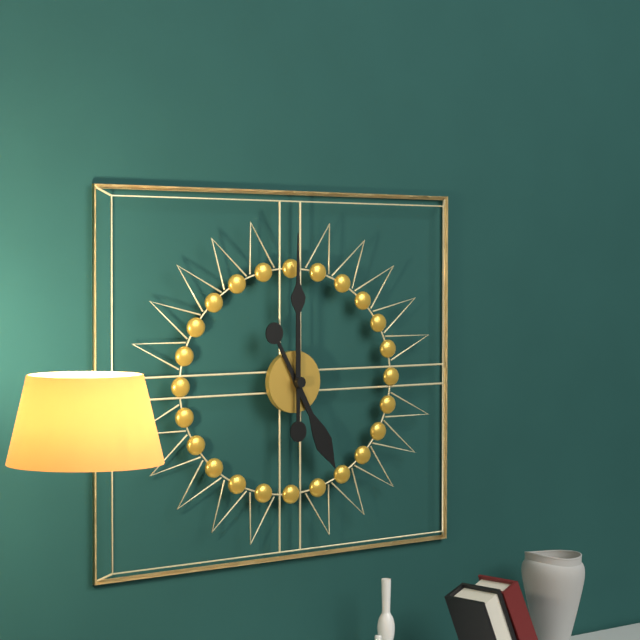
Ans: h=5 m=0
